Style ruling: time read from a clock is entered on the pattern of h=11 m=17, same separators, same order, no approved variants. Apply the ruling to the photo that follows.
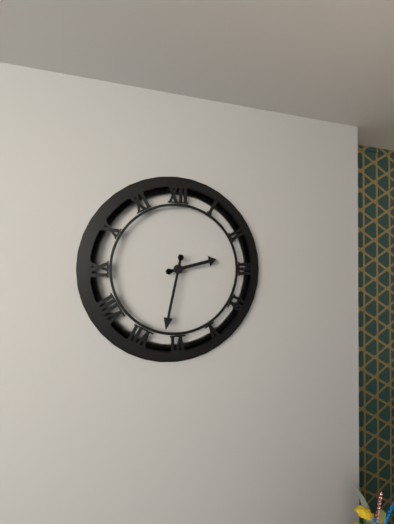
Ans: h=2 m=32
